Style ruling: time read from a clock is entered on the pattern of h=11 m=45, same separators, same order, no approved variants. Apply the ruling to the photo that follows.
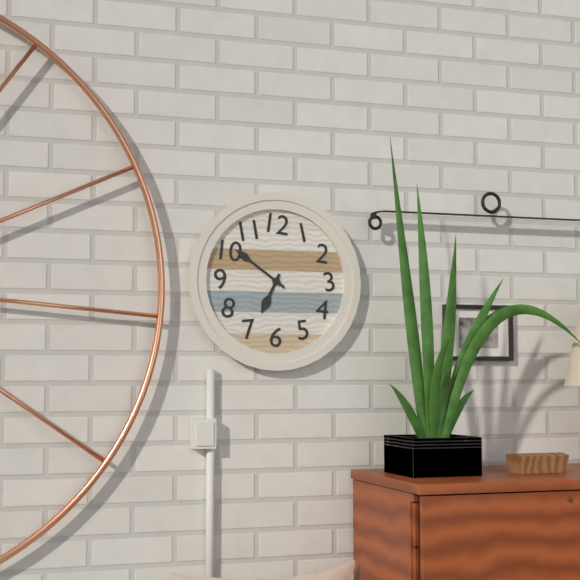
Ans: h=6 m=51
